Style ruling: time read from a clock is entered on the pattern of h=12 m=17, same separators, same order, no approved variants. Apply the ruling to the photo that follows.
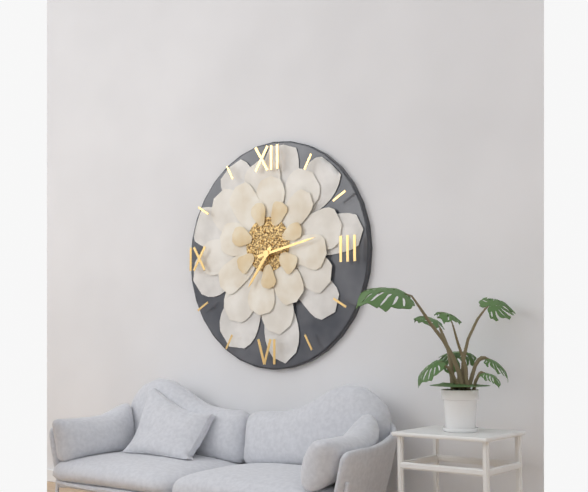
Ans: h=7 m=13
